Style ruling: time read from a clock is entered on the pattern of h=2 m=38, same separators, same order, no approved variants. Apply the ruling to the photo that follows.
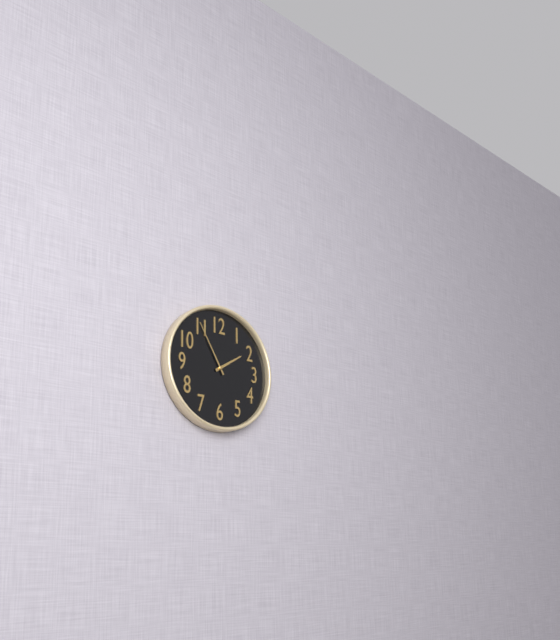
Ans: h=1 m=55
